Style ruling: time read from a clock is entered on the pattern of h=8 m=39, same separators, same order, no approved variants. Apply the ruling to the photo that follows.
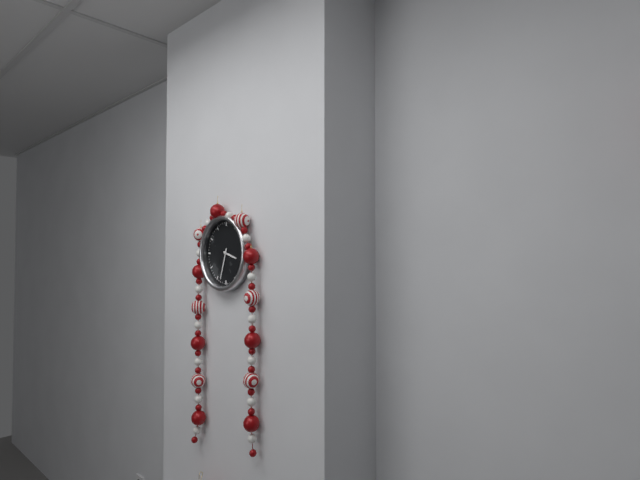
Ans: h=3 m=33
